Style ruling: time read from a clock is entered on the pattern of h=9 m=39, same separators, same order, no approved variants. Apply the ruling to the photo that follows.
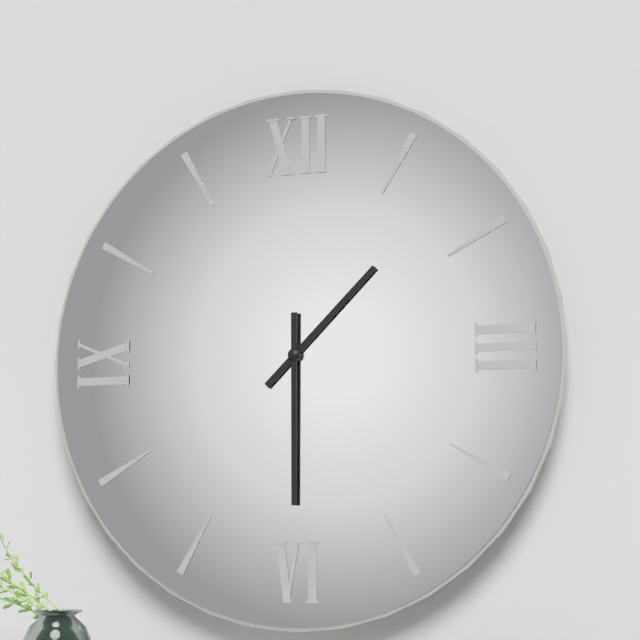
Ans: h=1 m=30
